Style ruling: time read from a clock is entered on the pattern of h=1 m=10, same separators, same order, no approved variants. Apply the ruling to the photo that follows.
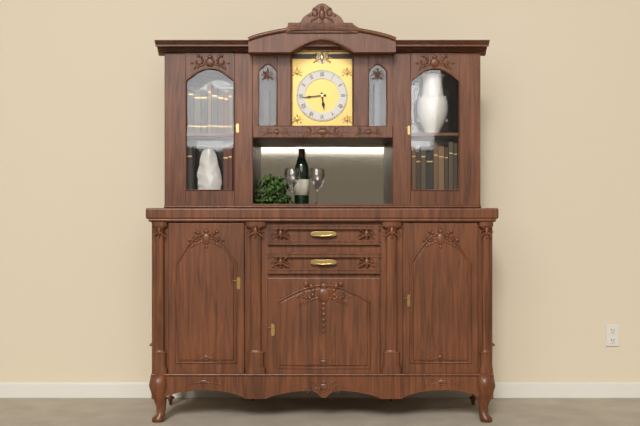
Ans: h=5 m=44
